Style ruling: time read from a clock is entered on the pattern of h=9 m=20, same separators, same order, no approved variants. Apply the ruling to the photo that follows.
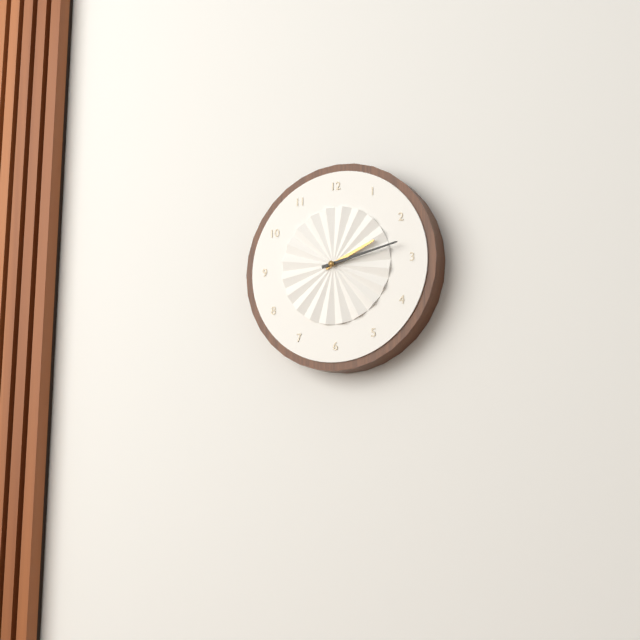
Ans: h=2 m=13
